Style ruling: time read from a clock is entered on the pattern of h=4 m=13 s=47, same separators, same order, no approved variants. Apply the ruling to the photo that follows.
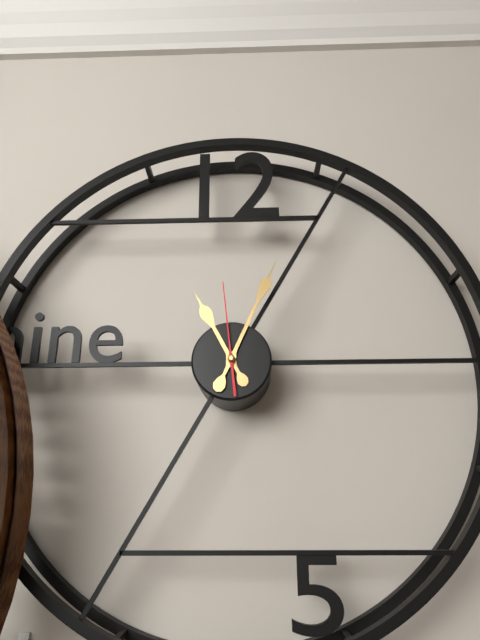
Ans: h=11 m=4 s=59
